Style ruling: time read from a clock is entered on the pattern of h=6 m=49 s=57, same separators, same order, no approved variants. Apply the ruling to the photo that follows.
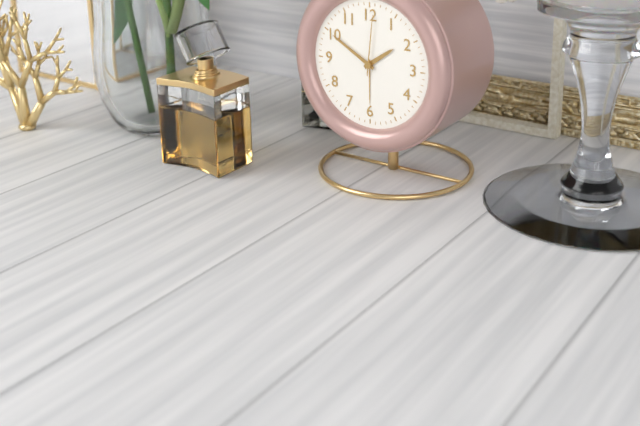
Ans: h=1 m=50 s=1
